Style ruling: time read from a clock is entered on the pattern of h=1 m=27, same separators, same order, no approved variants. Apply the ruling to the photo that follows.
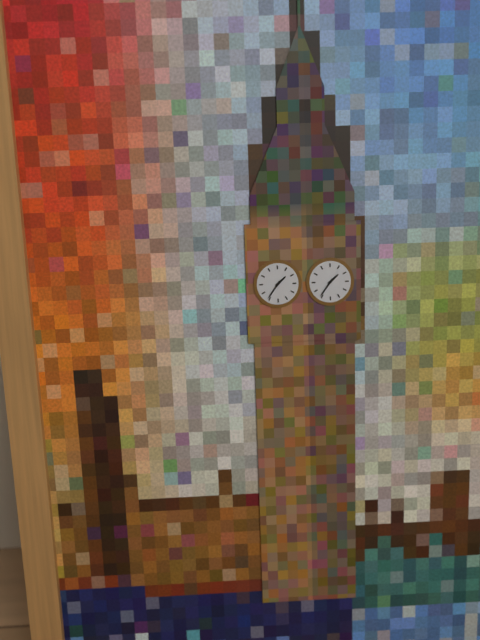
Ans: h=1 m=36
